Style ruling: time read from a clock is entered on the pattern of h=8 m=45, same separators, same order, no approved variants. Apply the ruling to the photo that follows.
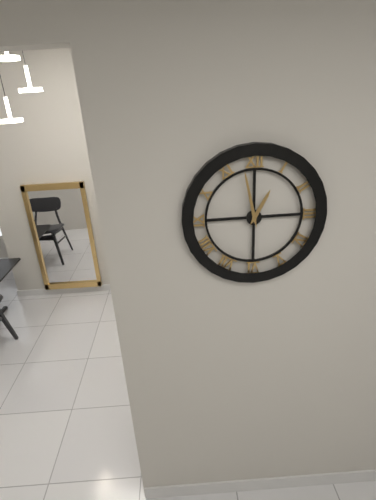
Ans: h=12 m=58
